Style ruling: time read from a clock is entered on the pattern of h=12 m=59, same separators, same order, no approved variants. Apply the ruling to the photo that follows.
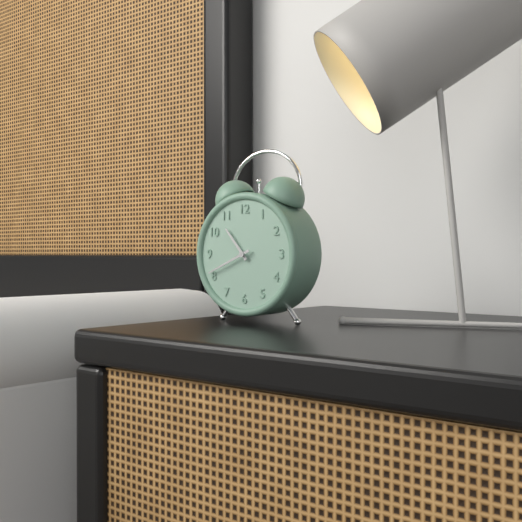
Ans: h=10 m=41
